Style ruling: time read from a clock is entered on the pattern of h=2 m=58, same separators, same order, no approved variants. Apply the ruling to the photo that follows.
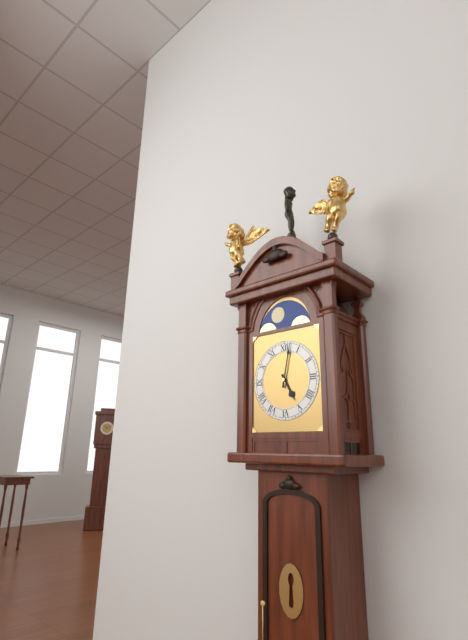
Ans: h=5 m=2
